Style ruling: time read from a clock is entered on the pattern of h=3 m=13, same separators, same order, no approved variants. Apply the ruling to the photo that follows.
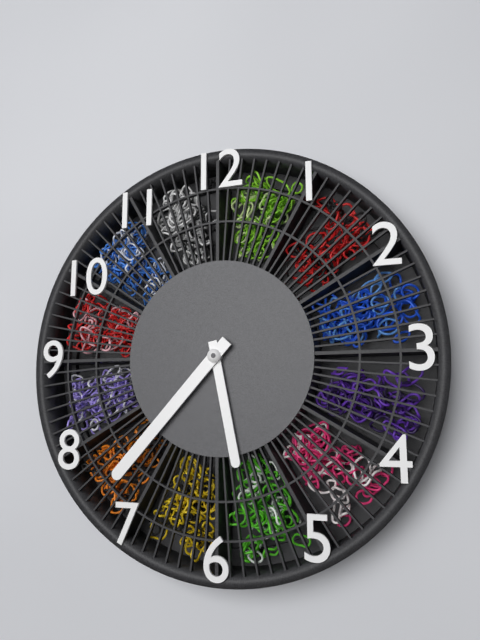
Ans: h=5 m=37
